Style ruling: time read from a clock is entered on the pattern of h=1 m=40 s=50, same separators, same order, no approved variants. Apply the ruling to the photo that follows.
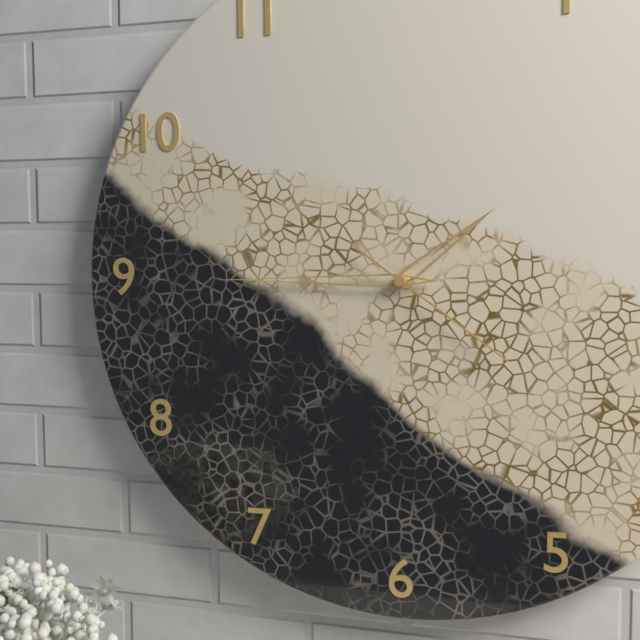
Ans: h=1 m=45 s=21
